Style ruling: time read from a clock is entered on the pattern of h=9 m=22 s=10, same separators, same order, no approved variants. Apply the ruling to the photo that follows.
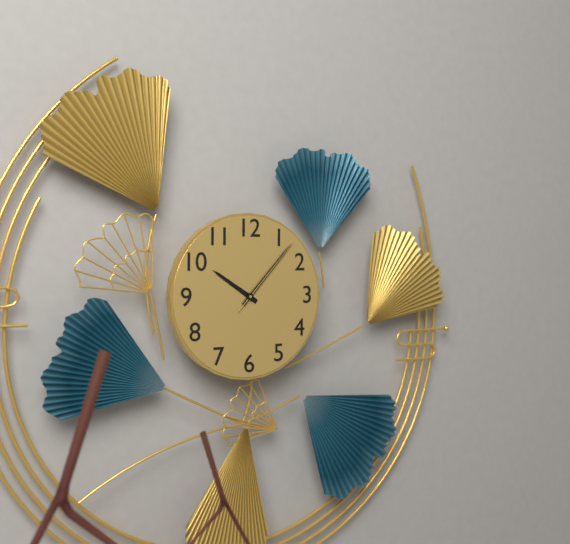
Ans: h=10 m=7 s=7
